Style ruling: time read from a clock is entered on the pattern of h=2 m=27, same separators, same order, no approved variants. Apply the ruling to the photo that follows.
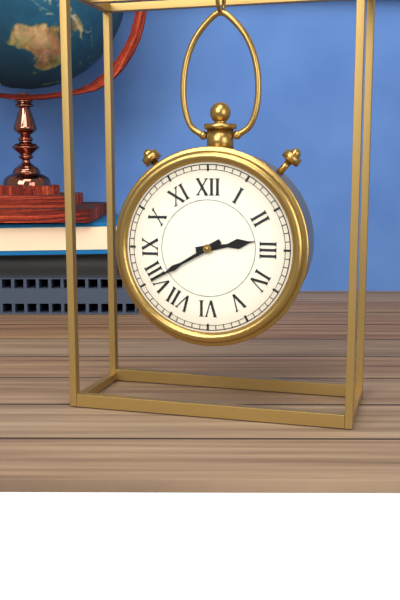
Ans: h=2 m=40
